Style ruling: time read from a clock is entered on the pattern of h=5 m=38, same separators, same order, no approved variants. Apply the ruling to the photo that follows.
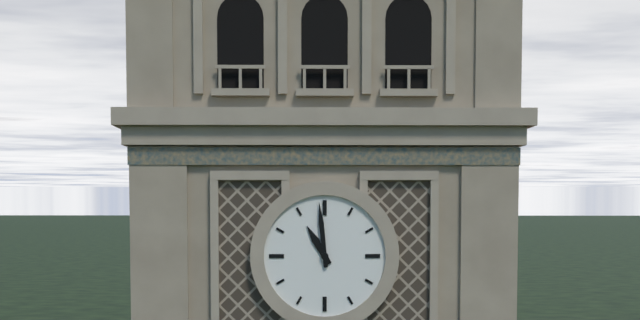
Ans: h=10 m=59
